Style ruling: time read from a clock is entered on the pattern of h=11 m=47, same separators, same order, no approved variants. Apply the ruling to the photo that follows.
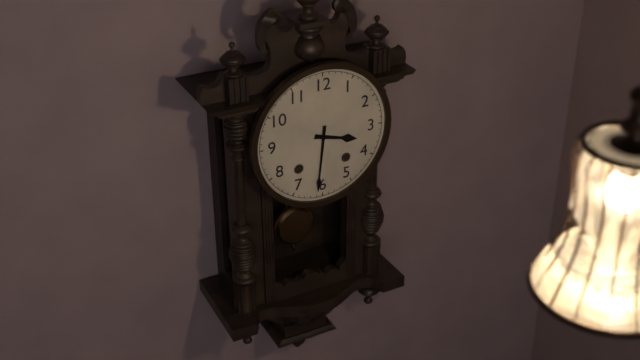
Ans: h=3 m=31
